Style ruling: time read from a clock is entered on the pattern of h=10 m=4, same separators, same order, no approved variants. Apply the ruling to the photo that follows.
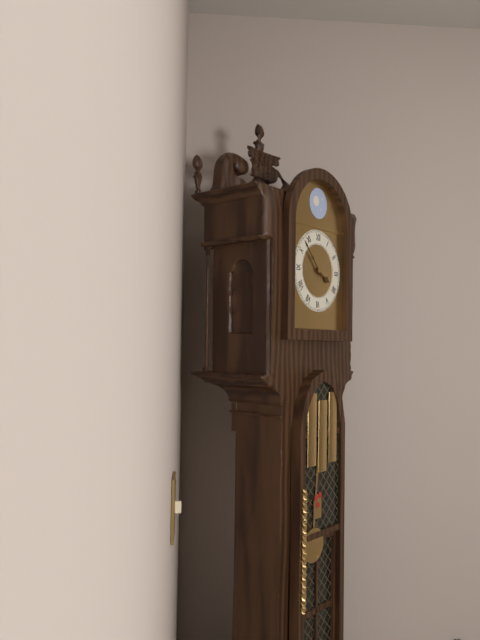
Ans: h=3 m=53
